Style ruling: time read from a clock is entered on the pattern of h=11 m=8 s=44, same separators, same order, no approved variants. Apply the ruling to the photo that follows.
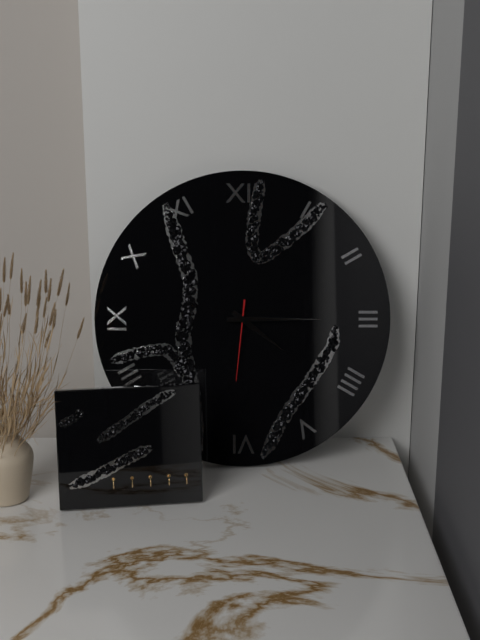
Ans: h=4 m=15 s=31
